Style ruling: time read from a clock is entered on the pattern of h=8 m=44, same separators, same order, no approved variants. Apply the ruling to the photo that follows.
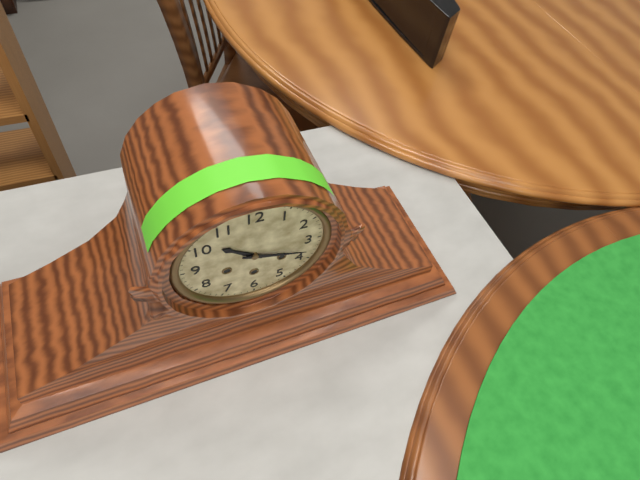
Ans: h=10 m=18
